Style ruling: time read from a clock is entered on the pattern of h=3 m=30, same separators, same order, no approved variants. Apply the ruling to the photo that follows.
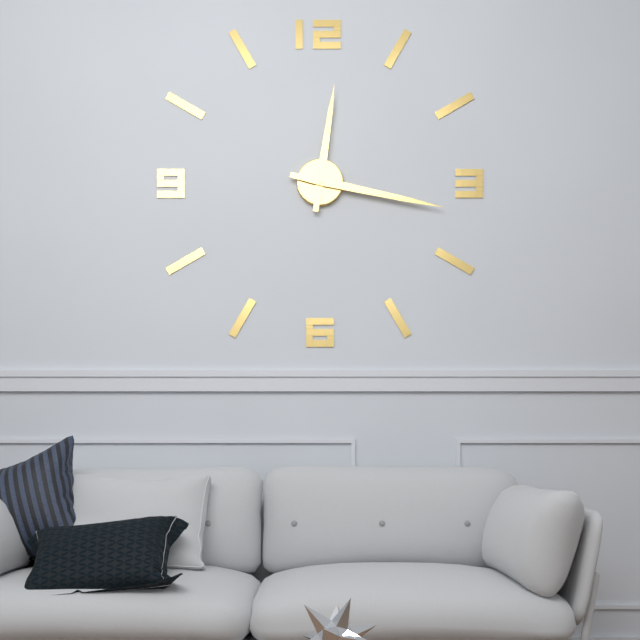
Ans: h=12 m=17
